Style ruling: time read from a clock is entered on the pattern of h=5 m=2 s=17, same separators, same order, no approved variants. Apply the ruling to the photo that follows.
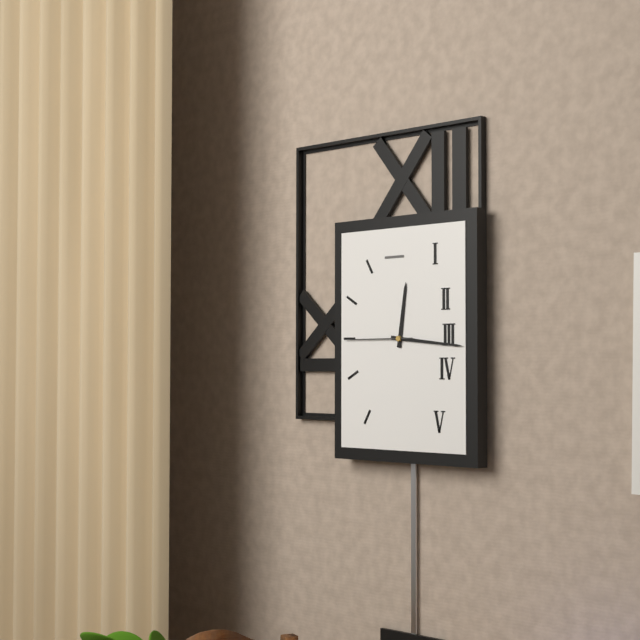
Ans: h=12 m=16 s=45
